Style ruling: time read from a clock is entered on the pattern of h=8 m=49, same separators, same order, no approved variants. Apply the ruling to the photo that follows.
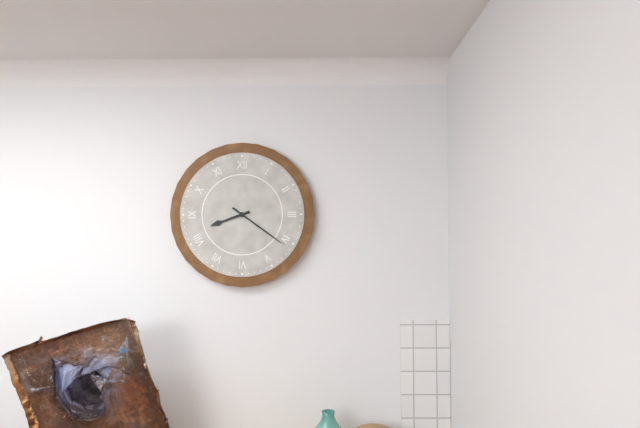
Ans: h=8 m=21
